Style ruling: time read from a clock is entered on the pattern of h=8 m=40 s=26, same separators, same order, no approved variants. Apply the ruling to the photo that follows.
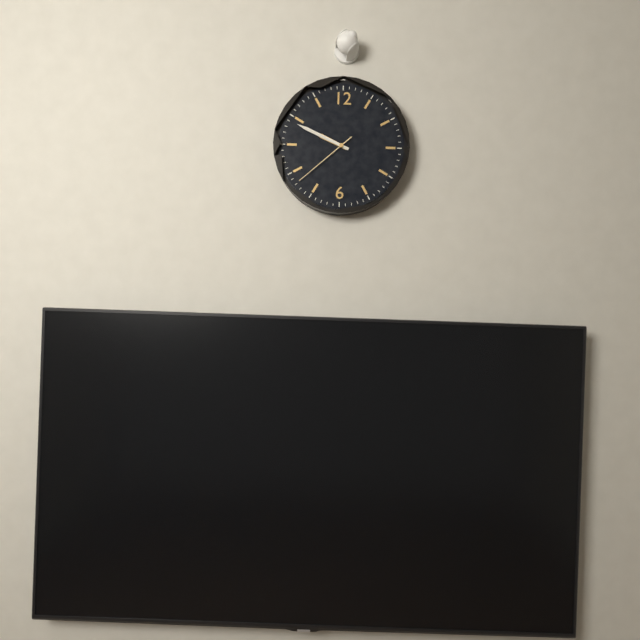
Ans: h=9 m=49 s=38
